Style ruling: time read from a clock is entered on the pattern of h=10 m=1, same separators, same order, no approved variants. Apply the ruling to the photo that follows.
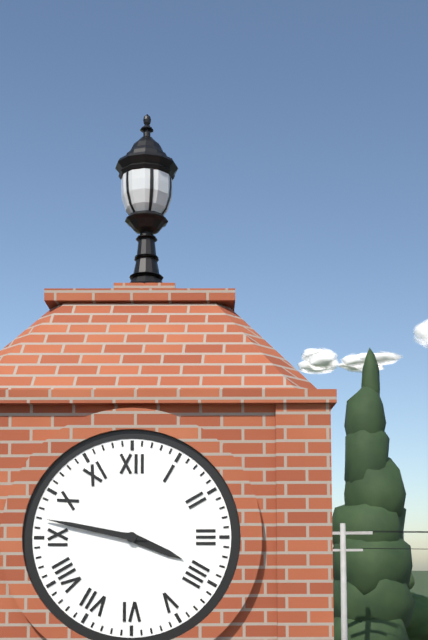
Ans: h=3 m=47
